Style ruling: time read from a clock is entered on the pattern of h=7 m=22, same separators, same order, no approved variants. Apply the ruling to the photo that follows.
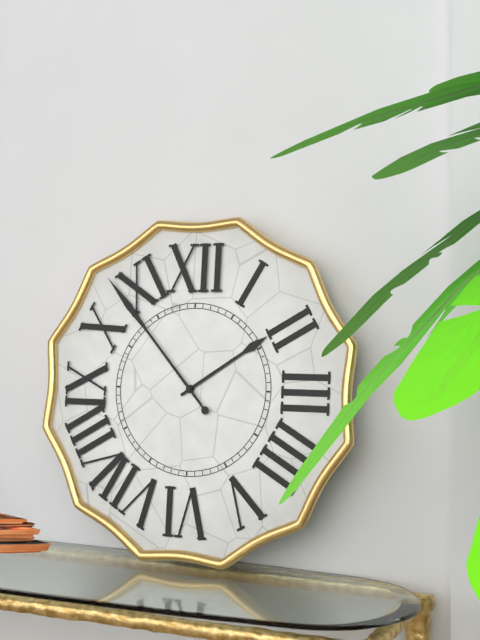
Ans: h=1 m=53
